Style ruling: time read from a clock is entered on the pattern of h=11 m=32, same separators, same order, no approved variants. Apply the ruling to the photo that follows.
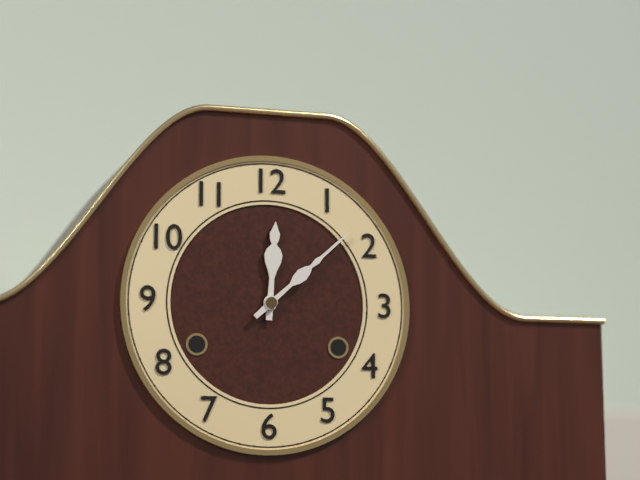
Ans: h=12 m=8
